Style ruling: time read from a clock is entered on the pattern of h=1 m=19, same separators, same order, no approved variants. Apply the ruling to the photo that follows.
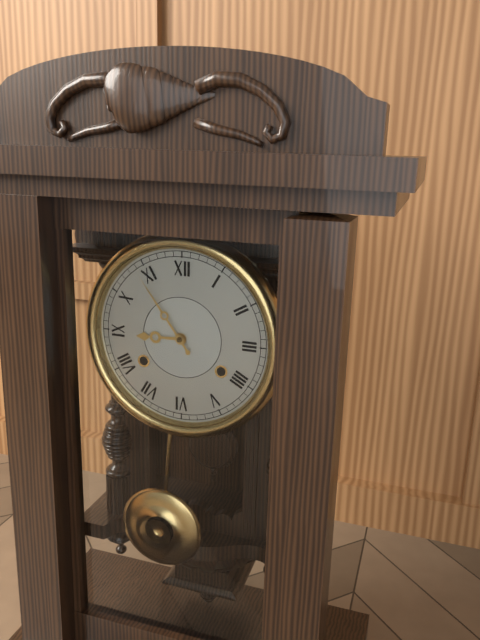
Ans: h=8 m=54
